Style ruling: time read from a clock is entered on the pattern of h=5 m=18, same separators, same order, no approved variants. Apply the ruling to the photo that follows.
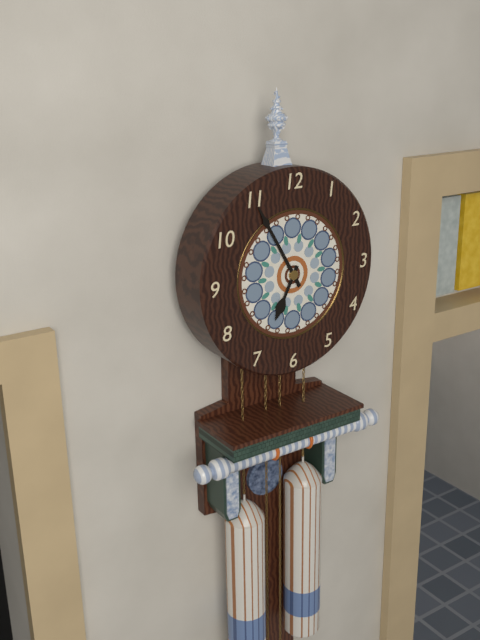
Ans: h=6 m=55
